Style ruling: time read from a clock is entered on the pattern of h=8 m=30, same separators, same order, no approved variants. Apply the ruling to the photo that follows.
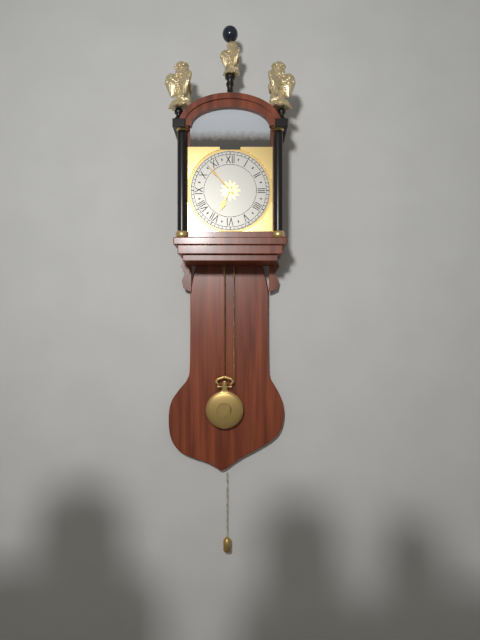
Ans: h=6 m=53
